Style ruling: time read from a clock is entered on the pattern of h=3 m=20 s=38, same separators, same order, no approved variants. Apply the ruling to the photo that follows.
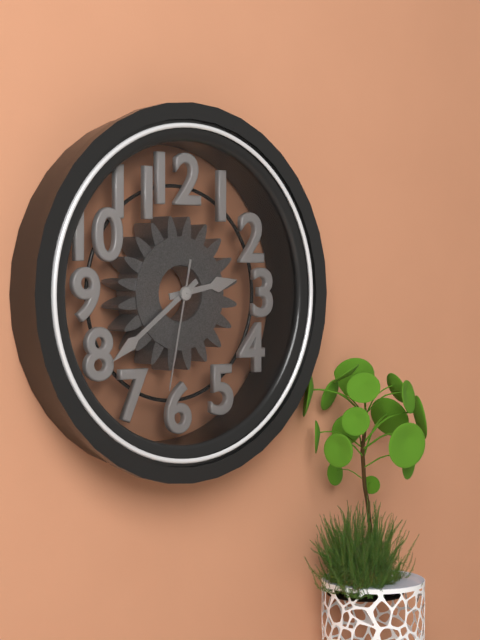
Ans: h=2 m=39 s=32
